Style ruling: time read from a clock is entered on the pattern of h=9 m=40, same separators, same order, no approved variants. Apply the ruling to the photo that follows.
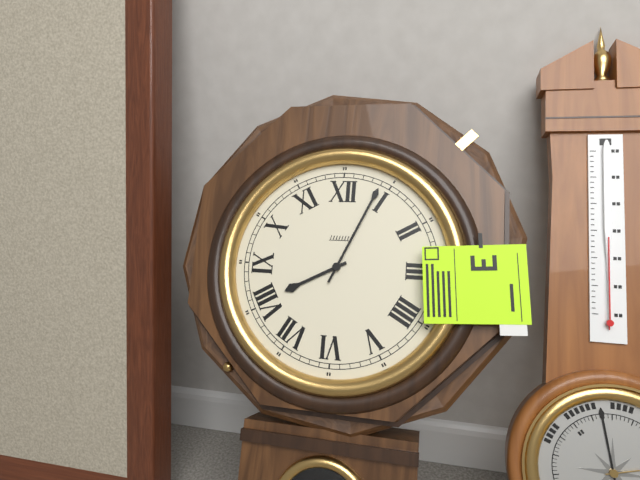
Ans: h=8 m=4
